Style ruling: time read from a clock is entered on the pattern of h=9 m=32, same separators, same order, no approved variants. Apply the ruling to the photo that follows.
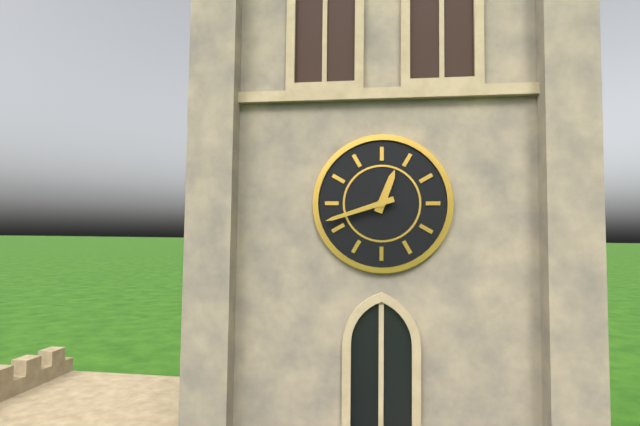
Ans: h=12 m=42
